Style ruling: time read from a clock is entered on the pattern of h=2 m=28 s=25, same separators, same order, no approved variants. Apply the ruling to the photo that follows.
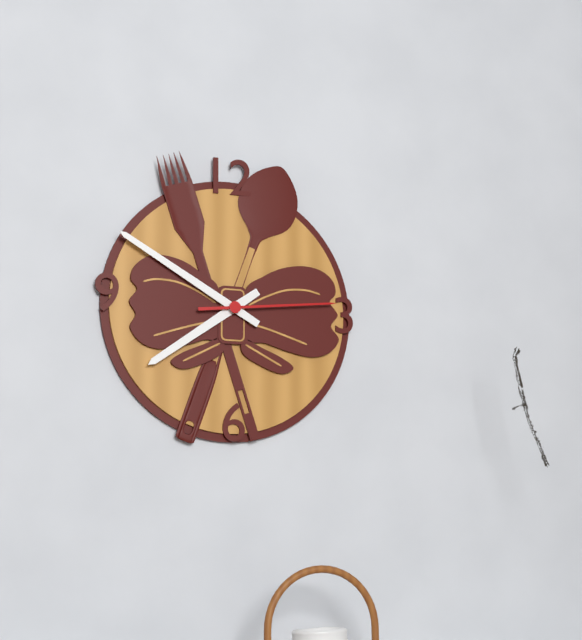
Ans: h=7 m=50 s=14
